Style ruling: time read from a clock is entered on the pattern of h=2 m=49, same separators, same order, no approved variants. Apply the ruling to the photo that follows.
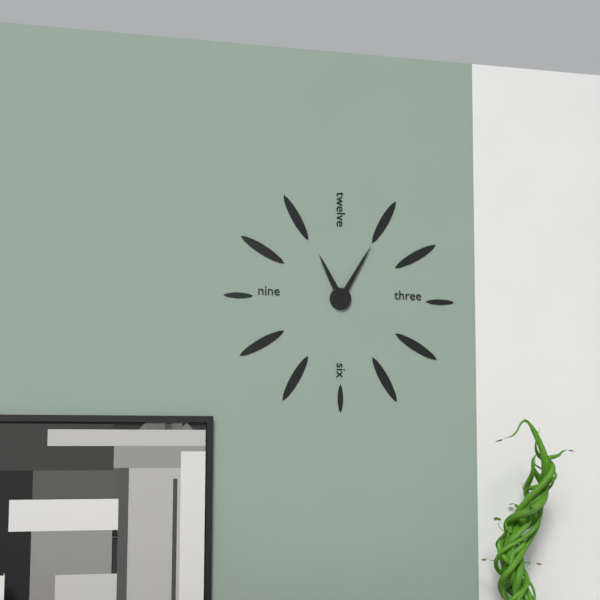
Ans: h=11 m=5
